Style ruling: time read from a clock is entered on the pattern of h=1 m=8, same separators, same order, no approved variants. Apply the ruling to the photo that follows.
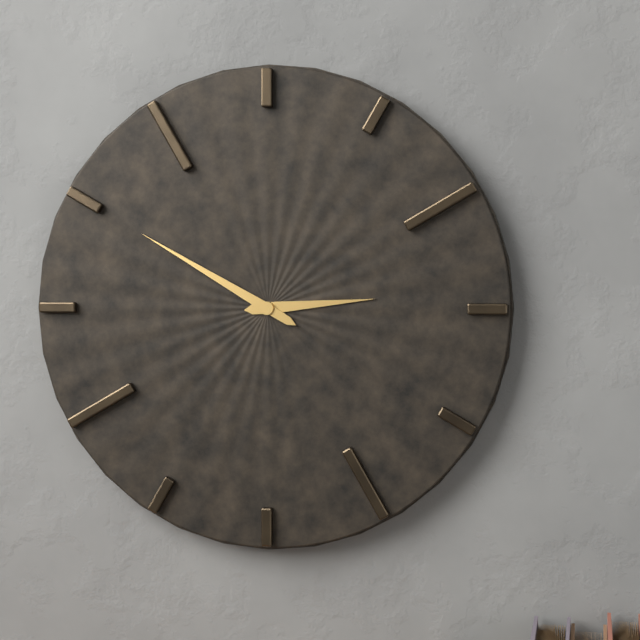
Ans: h=2 m=50
